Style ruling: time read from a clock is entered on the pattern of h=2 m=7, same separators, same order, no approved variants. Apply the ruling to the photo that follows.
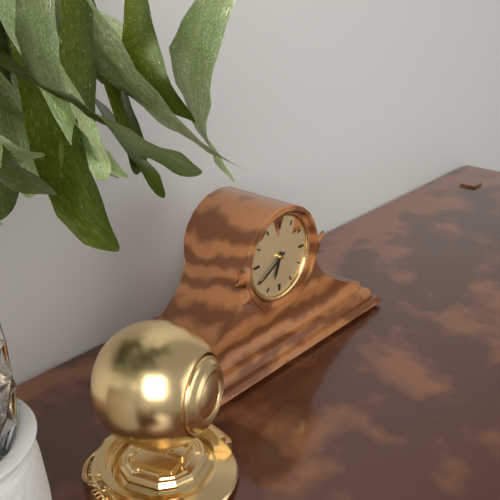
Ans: h=6 m=40
